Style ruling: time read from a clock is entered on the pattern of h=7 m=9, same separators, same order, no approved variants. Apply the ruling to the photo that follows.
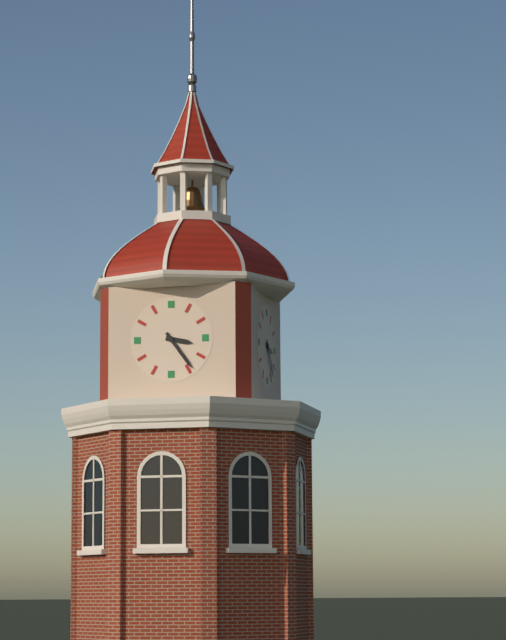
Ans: h=3 m=24
